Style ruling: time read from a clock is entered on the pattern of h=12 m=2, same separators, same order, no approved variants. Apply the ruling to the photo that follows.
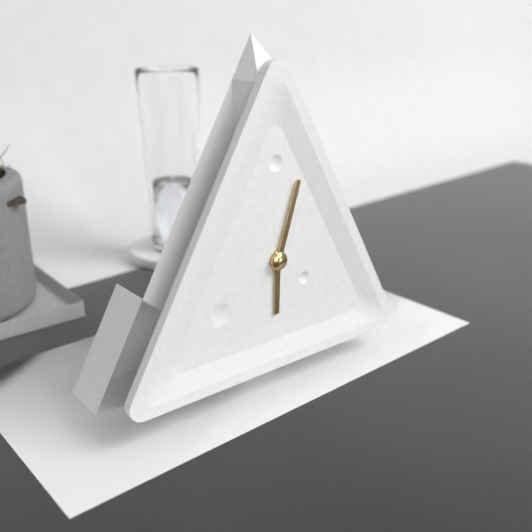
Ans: h=6 m=3
